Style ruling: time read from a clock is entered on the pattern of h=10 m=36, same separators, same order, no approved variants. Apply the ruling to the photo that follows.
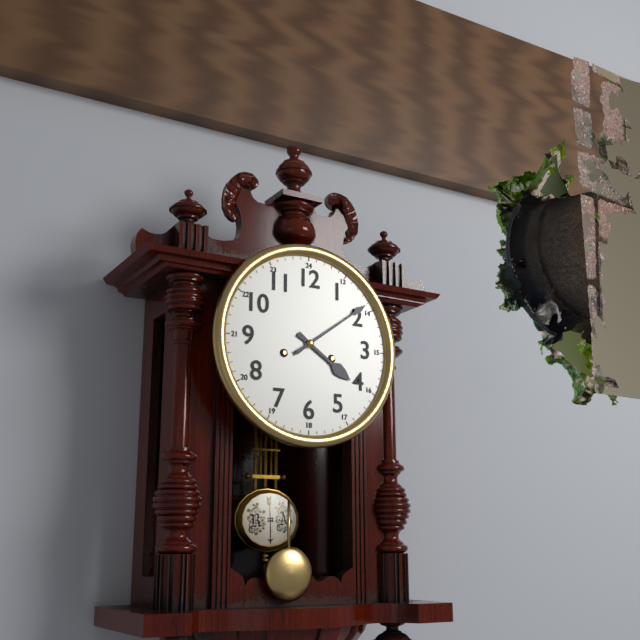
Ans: h=4 m=9
